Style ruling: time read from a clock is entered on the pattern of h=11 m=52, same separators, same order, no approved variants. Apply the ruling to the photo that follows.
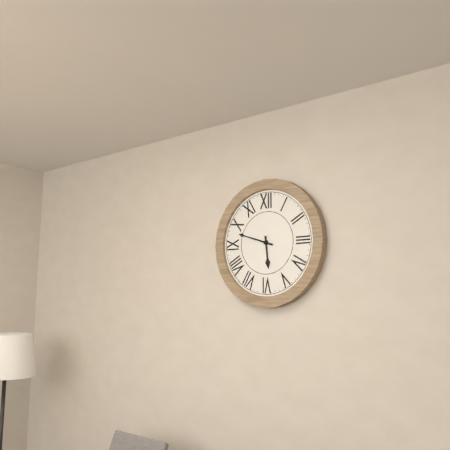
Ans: h=5 m=48
